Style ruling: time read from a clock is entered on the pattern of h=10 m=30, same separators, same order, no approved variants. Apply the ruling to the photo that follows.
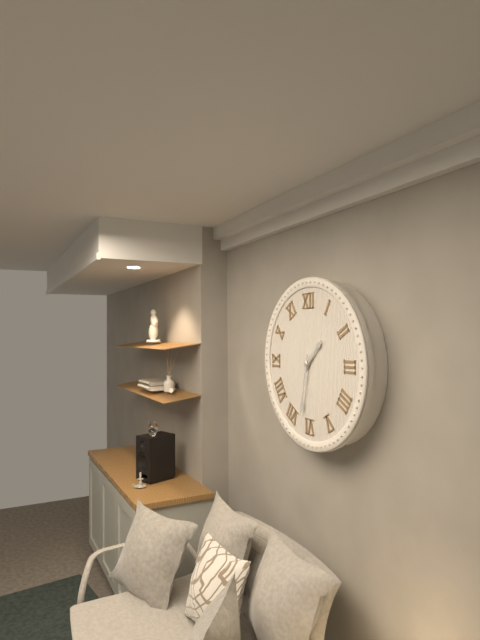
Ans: h=1 m=32
